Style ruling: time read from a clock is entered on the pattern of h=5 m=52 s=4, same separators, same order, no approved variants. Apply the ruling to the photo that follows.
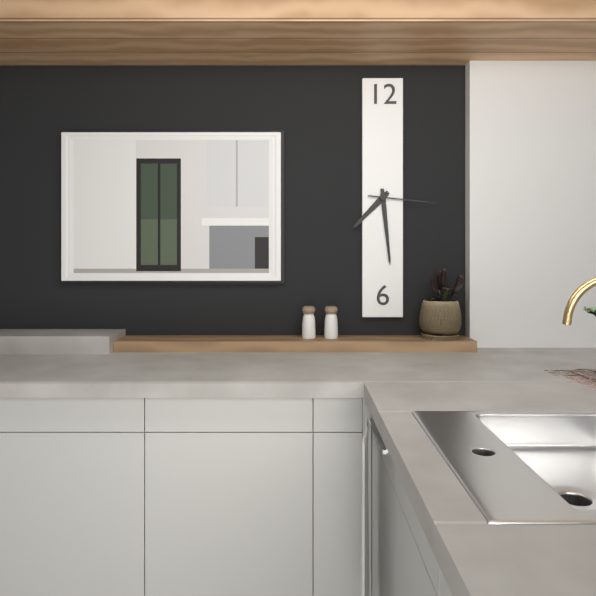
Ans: h=7 m=29 s=16
